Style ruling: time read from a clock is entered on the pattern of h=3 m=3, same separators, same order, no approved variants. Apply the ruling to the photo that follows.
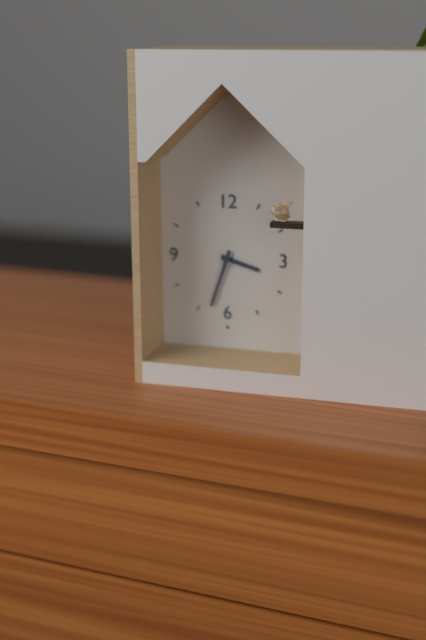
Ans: h=3 m=33
